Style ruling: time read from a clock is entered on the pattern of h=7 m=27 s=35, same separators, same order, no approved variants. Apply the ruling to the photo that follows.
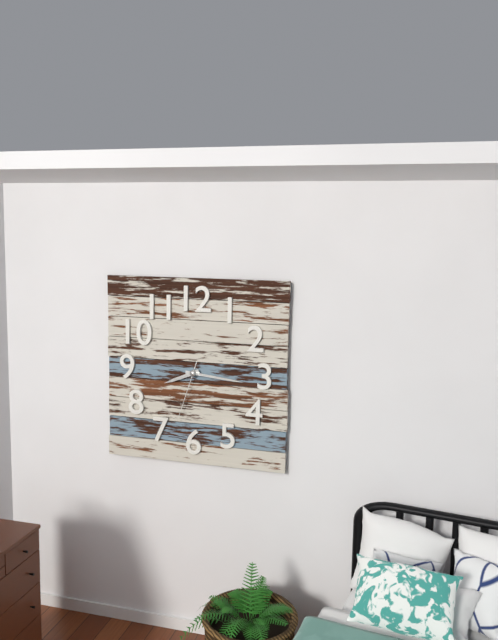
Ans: h=8 m=16 s=33
